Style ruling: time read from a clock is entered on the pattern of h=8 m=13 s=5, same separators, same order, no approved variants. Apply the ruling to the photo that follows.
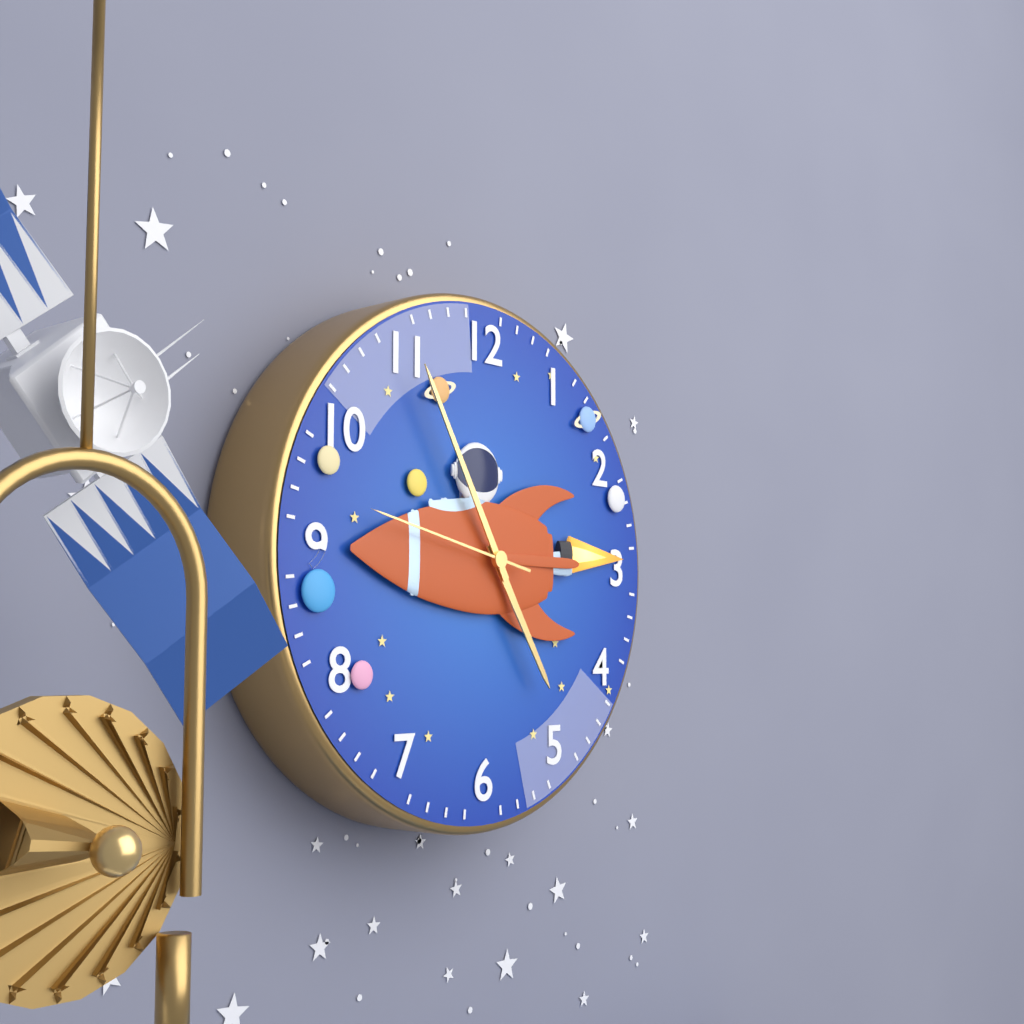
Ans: h=4 m=55 s=47
